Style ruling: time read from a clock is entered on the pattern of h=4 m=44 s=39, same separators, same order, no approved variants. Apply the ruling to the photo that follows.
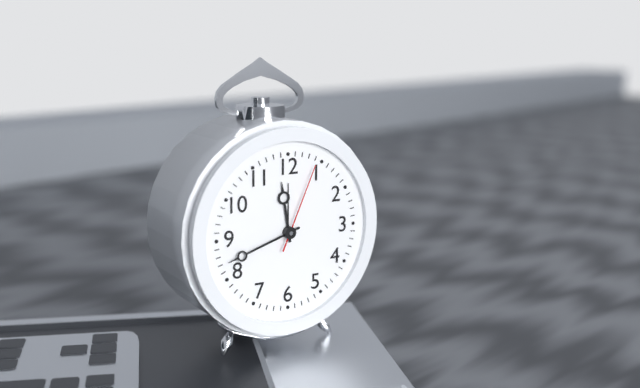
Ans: h=11 m=42 s=4
